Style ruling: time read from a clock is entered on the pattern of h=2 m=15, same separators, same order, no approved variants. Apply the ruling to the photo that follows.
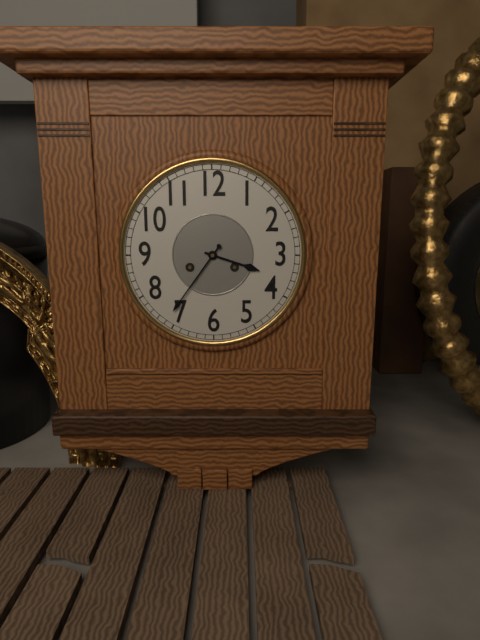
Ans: h=3 m=36
